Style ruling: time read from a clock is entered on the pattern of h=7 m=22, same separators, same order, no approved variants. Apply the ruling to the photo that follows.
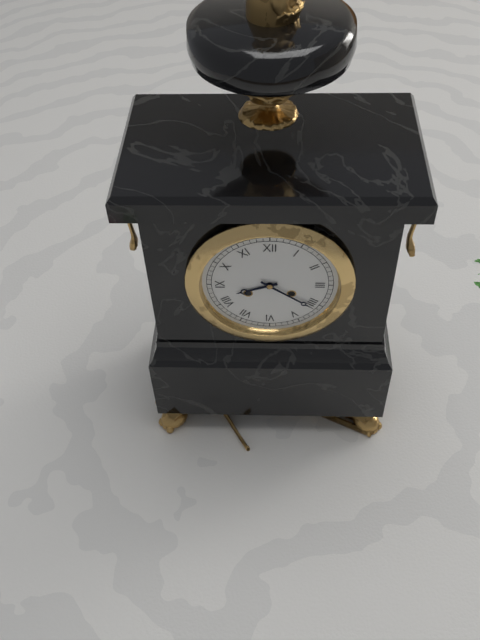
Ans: h=8 m=21
